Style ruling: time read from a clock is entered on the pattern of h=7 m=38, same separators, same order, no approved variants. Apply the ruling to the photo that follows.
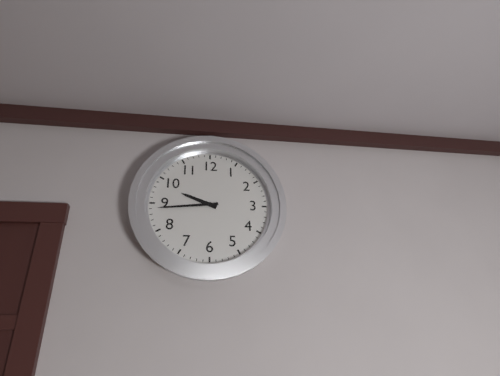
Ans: h=9 m=44
